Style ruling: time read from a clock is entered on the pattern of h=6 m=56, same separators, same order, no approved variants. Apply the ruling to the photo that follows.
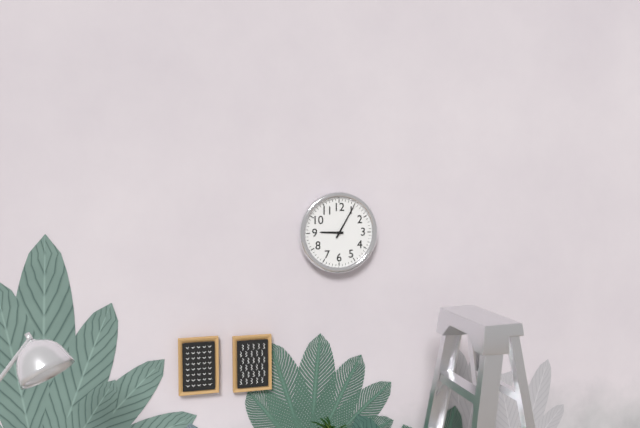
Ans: h=9 m=5
